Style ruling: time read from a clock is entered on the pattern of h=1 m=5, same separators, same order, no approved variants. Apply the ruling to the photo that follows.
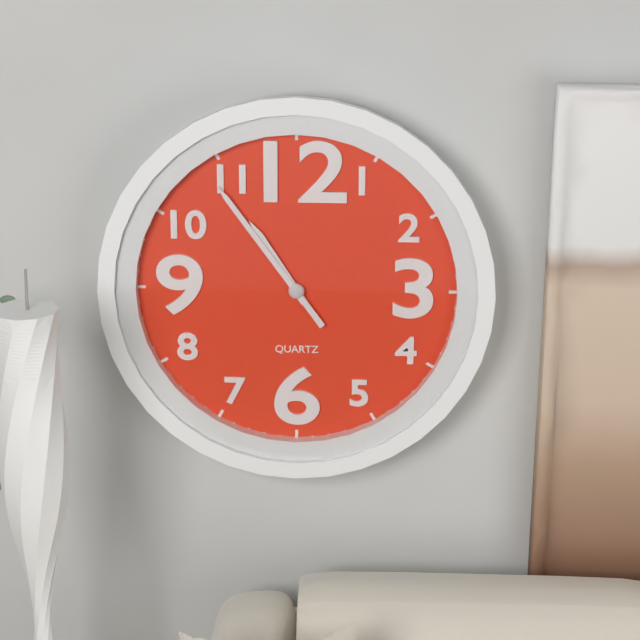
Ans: h=10 m=54
